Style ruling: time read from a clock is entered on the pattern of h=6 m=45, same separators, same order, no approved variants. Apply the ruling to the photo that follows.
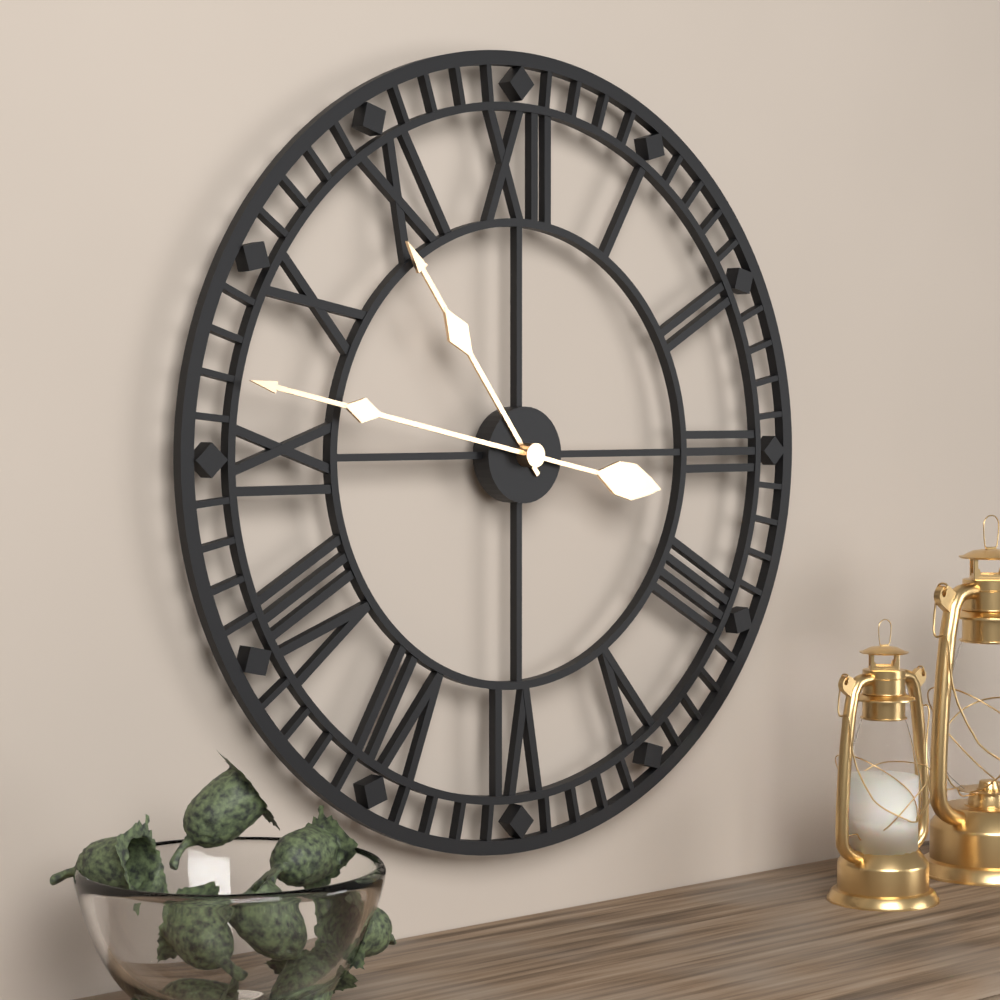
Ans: h=10 m=47
